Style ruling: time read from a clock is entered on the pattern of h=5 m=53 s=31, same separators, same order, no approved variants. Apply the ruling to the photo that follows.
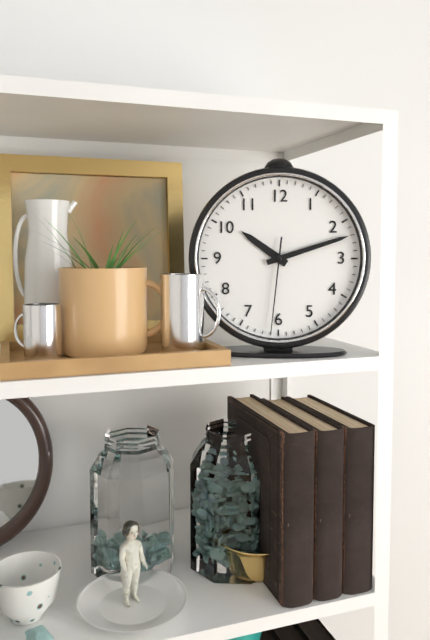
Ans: h=10 m=12 s=31
